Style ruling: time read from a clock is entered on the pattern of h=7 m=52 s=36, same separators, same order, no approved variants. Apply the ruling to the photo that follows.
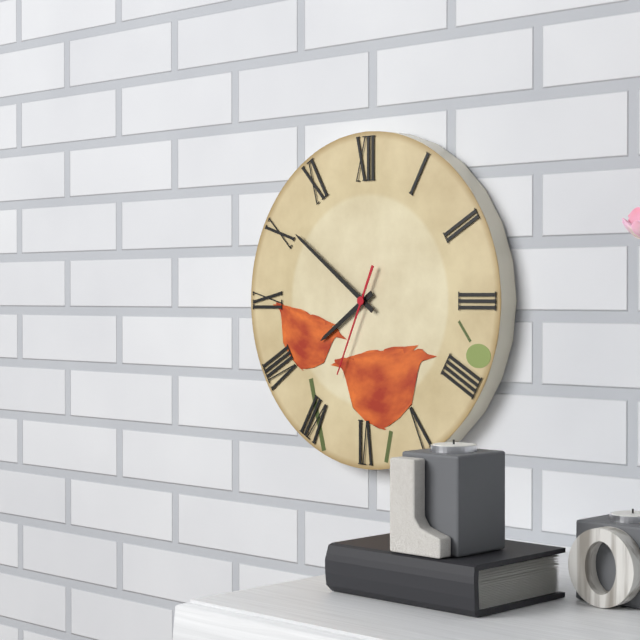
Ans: h=7 m=51 s=34
